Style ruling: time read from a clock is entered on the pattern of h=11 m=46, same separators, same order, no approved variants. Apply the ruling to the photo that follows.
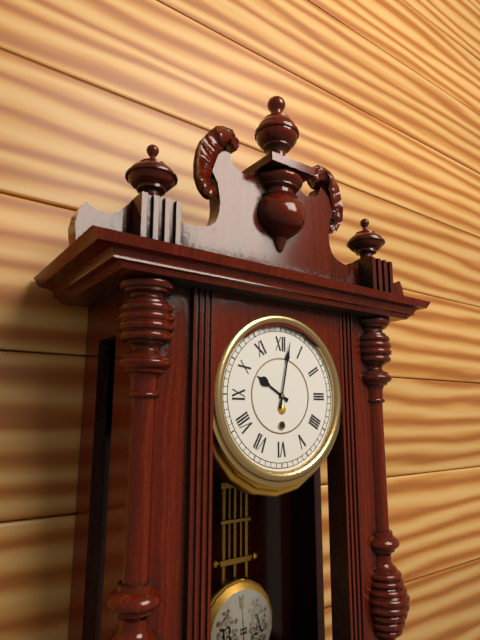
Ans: h=10 m=2
